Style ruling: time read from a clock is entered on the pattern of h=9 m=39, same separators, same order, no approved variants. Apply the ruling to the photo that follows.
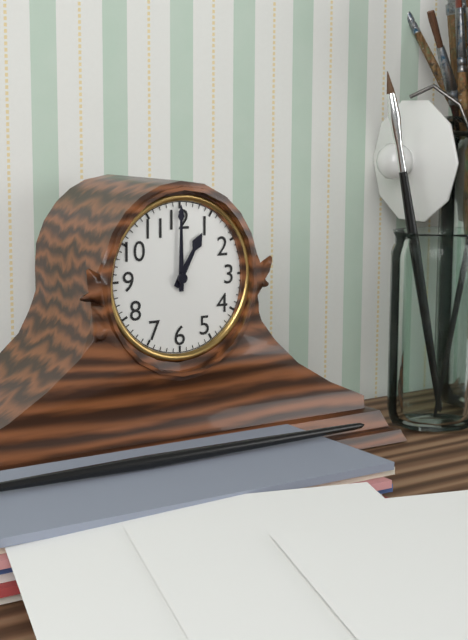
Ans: h=1 m=0
